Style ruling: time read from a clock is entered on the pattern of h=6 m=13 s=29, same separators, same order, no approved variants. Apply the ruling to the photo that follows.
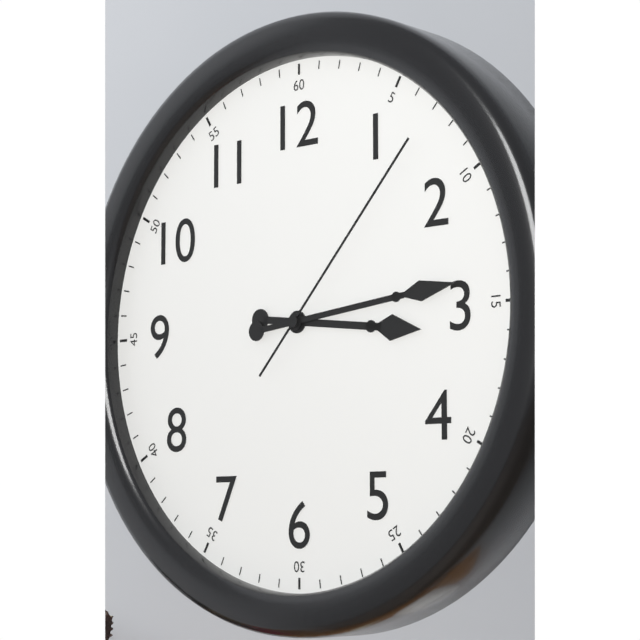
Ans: h=3 m=14 s=7
